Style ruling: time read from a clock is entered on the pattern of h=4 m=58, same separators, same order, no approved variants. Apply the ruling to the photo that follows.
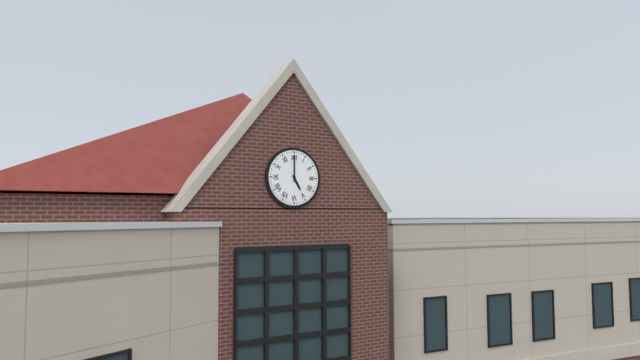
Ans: h=5 m=0
